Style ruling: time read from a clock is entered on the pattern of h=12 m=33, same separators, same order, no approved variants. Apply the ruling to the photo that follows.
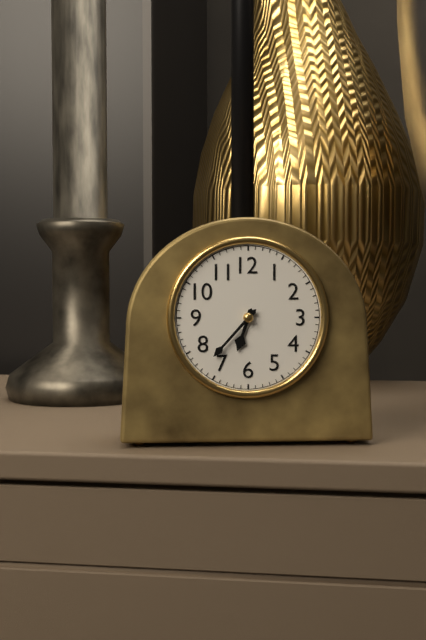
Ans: h=6 m=37
